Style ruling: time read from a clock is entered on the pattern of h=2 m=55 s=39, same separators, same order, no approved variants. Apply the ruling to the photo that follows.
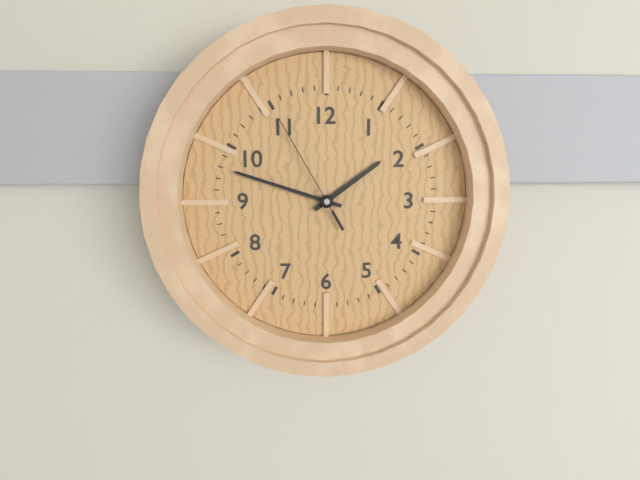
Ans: h=1 m=48 s=55
